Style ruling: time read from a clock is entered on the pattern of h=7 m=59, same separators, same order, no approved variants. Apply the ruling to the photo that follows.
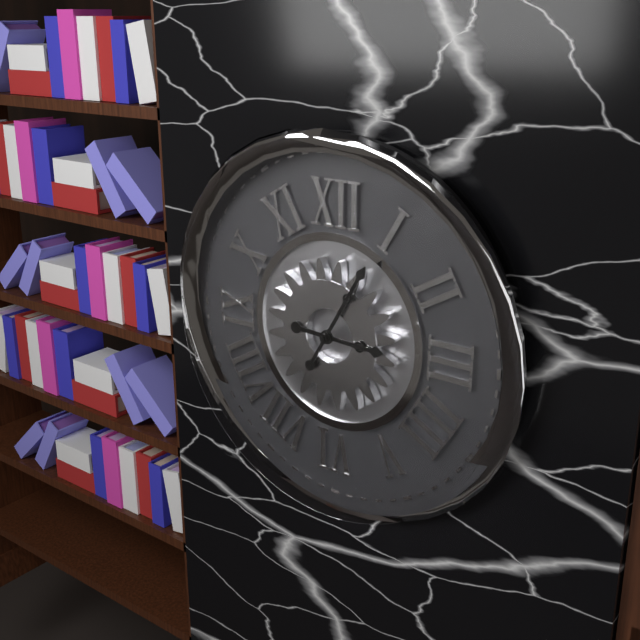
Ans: h=3 m=5
